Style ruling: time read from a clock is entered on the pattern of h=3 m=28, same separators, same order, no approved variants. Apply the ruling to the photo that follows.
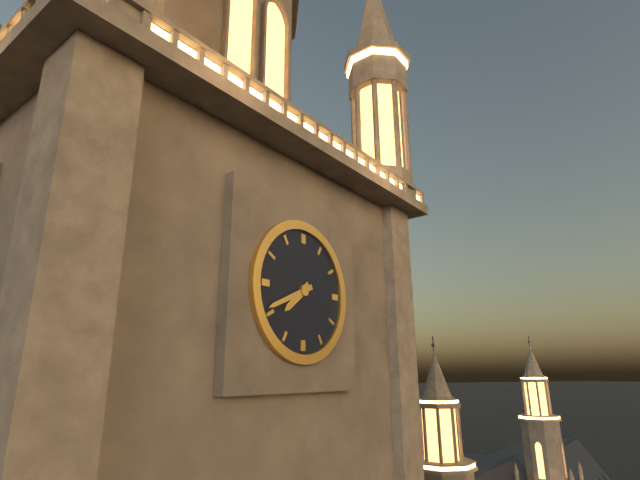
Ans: h=7 m=41
